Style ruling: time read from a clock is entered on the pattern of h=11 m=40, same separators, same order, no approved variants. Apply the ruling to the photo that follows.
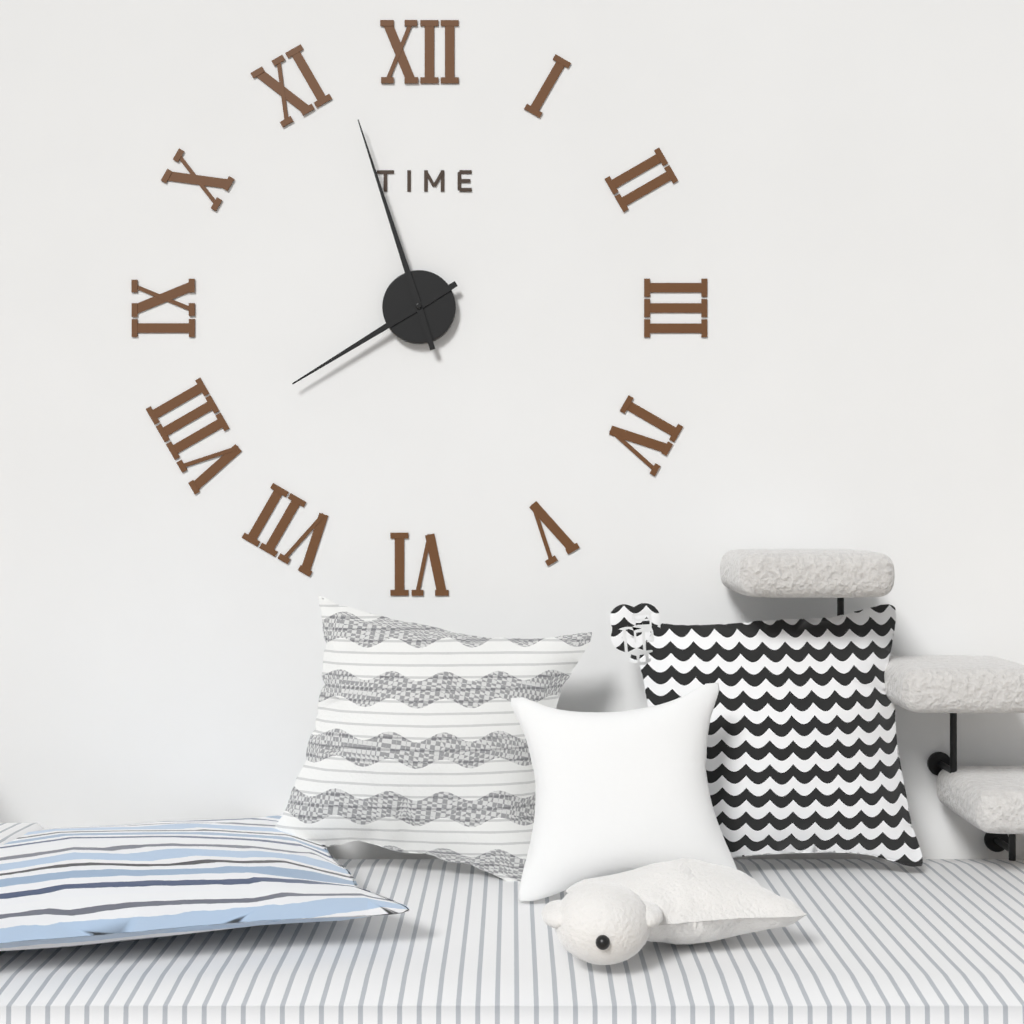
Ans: h=7 m=57
